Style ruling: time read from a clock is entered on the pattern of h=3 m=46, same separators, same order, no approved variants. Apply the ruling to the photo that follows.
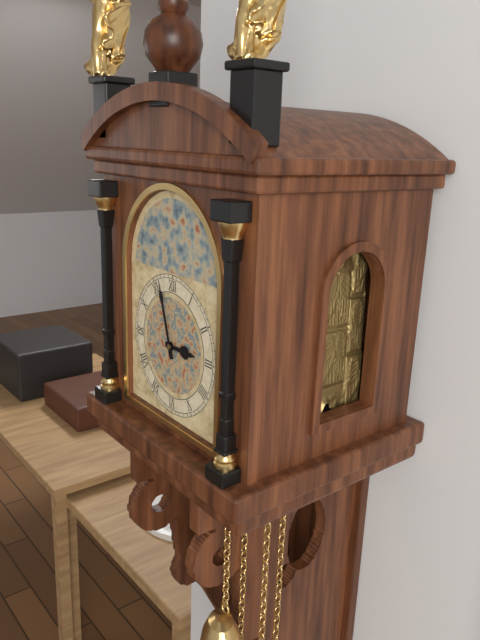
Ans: h=2 m=57
